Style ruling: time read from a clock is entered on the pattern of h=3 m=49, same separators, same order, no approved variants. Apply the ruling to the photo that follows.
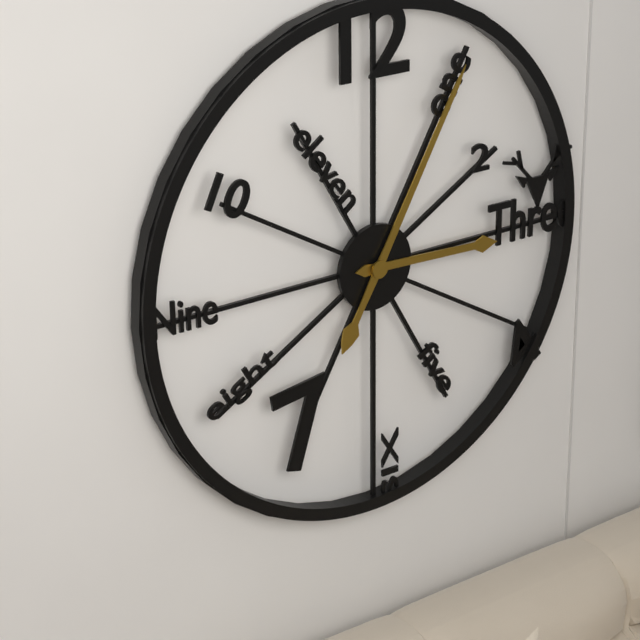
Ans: h=3 m=5
